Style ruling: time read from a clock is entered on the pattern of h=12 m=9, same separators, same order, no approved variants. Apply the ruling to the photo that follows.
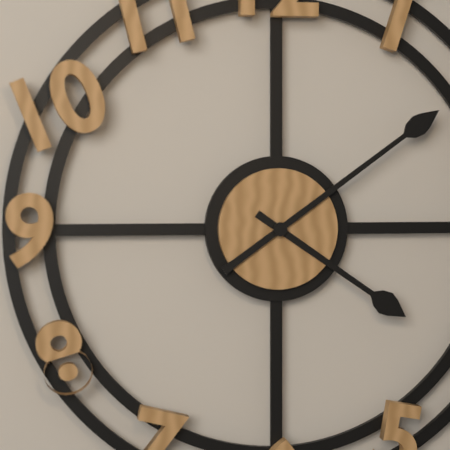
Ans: h=4 m=9
